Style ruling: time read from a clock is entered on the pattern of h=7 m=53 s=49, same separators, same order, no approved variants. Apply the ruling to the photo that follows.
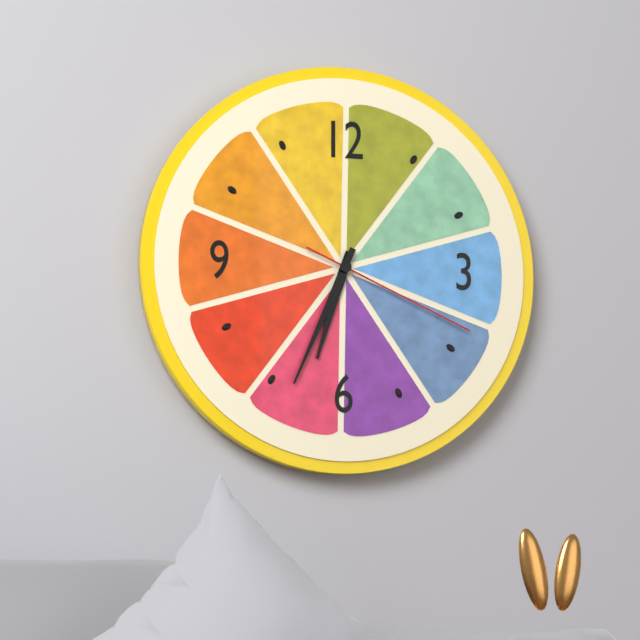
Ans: h=6 m=34 s=19
